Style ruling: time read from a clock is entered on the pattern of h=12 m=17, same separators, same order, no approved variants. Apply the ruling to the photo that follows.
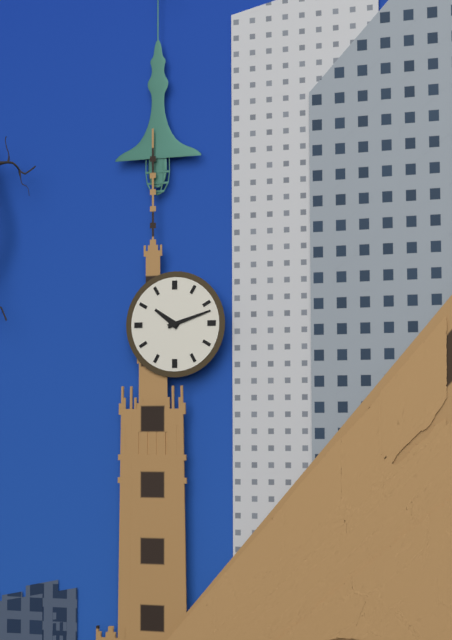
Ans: h=10 m=12
